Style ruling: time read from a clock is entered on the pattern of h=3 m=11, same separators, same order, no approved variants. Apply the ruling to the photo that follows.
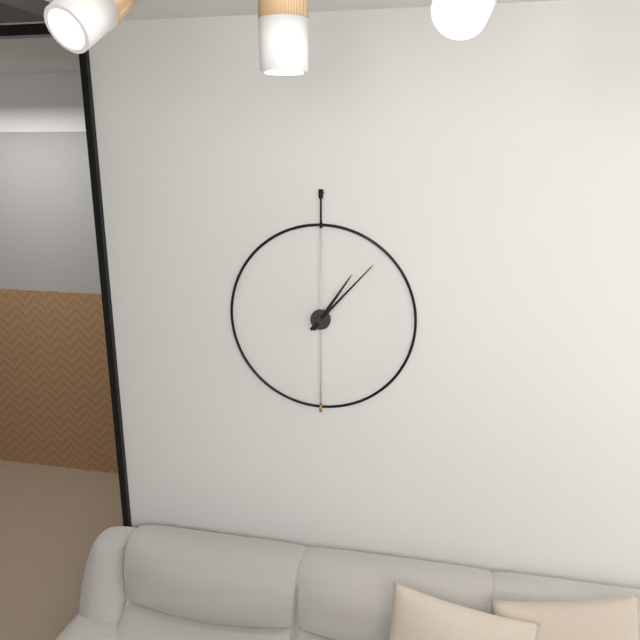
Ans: h=1 m=7
